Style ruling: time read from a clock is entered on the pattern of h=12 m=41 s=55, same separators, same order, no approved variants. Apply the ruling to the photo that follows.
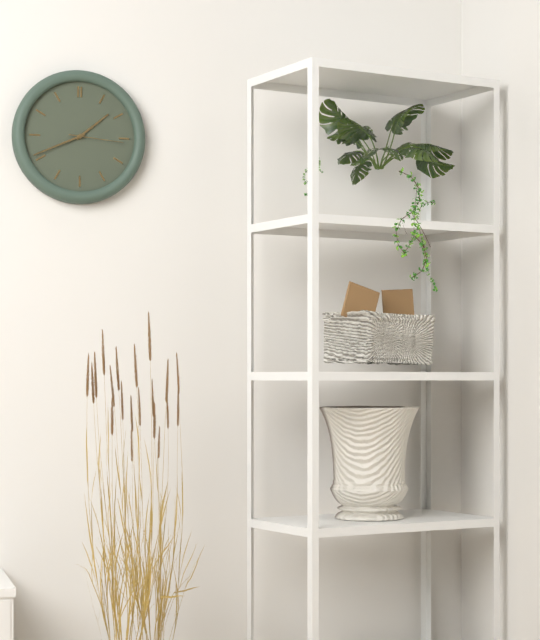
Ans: h=1 m=41 s=16
